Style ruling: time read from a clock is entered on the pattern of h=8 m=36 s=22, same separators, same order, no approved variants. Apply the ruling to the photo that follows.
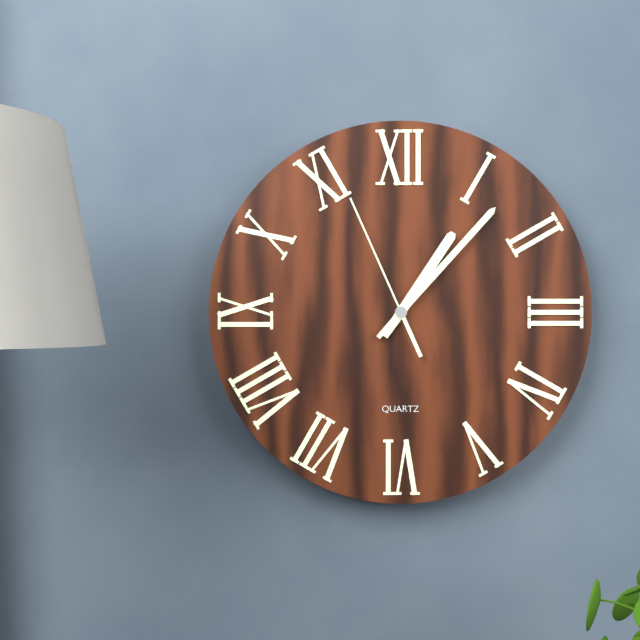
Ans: h=1 m=7 s=56
